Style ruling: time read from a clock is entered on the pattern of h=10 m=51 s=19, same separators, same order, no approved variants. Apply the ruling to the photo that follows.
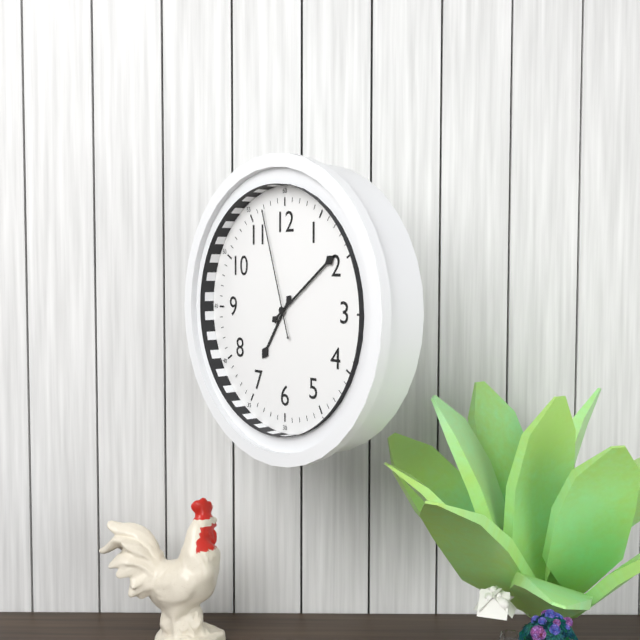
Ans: h=7 m=9 s=57
